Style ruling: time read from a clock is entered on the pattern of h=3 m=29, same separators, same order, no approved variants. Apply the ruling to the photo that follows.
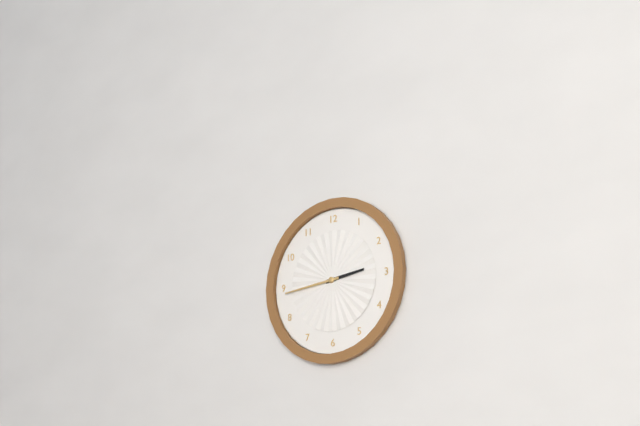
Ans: h=2 m=44
